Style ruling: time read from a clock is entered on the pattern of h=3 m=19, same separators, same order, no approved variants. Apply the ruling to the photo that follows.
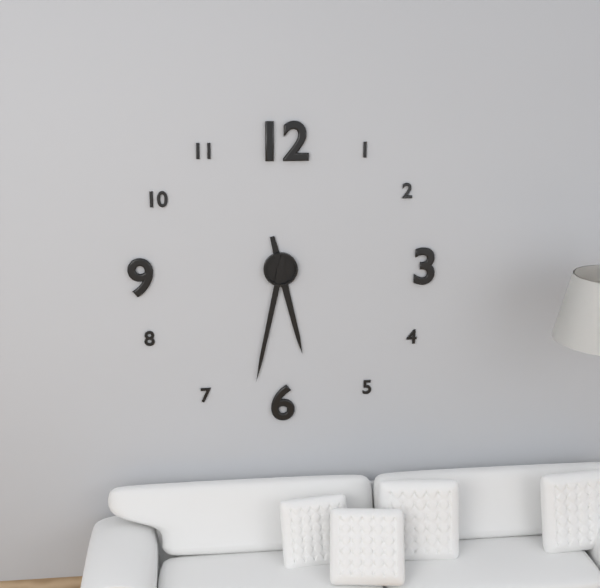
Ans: h=5 m=32
